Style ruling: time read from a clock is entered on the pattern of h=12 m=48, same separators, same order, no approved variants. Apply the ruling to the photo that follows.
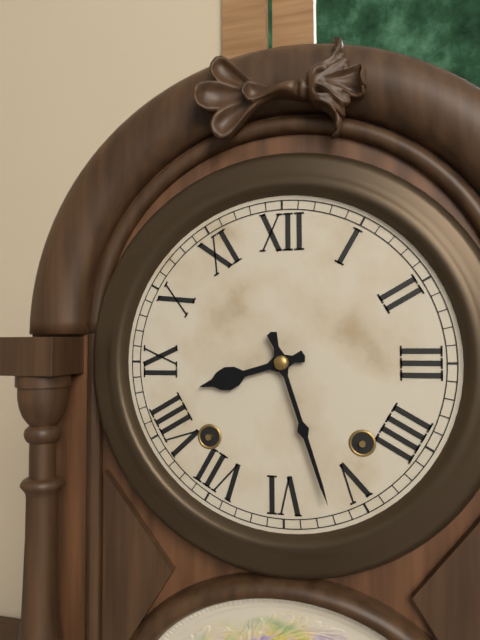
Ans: h=8 m=27
